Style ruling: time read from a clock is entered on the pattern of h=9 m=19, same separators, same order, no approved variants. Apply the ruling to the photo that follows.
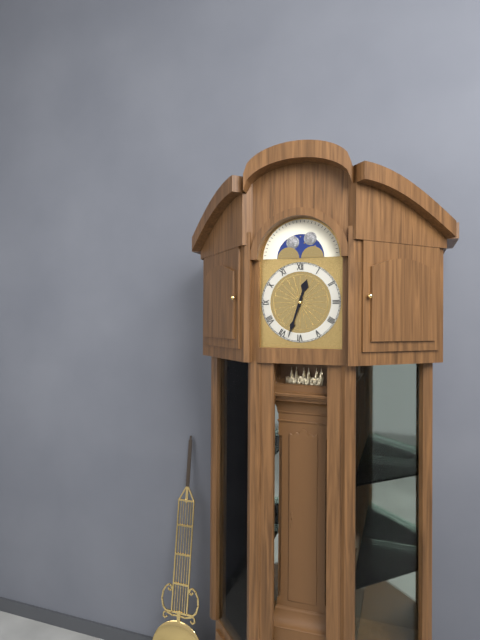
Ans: h=12 m=33
